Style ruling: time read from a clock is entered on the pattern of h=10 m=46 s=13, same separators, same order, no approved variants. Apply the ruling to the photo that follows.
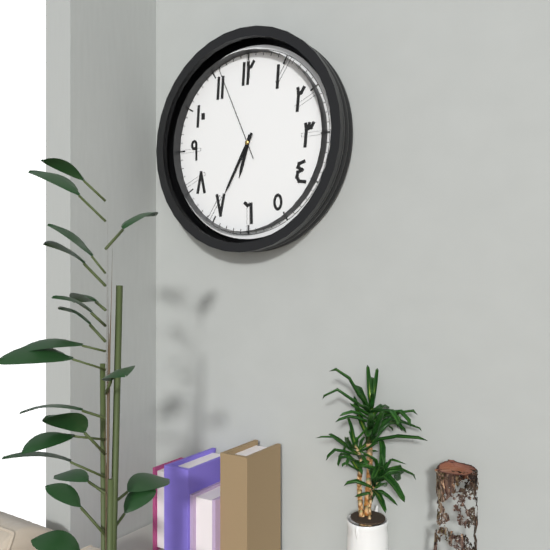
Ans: h=6 m=35 s=56
